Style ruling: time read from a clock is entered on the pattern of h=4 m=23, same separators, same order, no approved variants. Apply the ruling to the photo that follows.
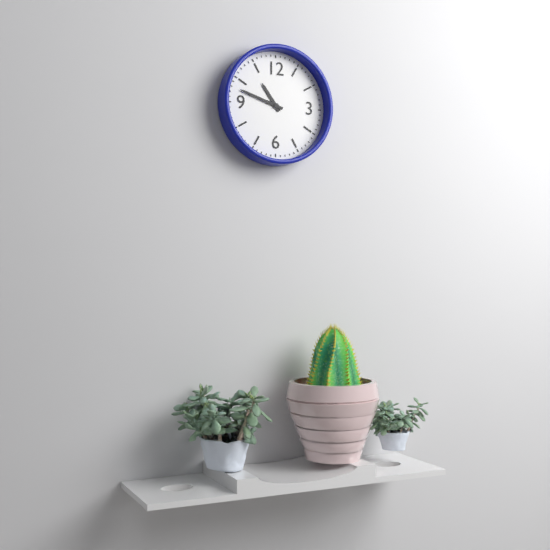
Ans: h=10 m=48
